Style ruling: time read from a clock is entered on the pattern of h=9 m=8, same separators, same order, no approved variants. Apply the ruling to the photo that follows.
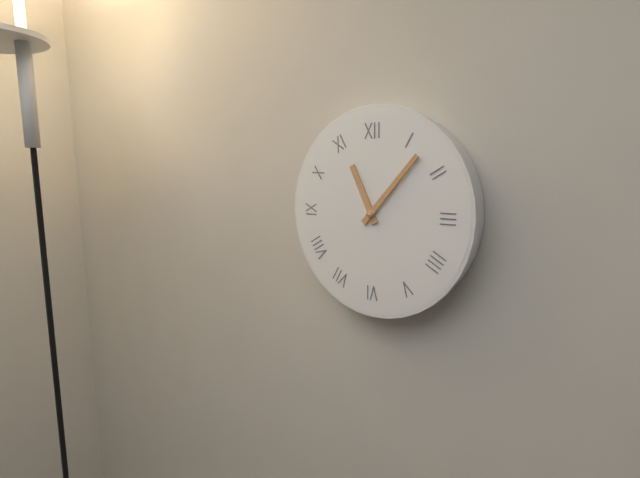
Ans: h=11 m=7
